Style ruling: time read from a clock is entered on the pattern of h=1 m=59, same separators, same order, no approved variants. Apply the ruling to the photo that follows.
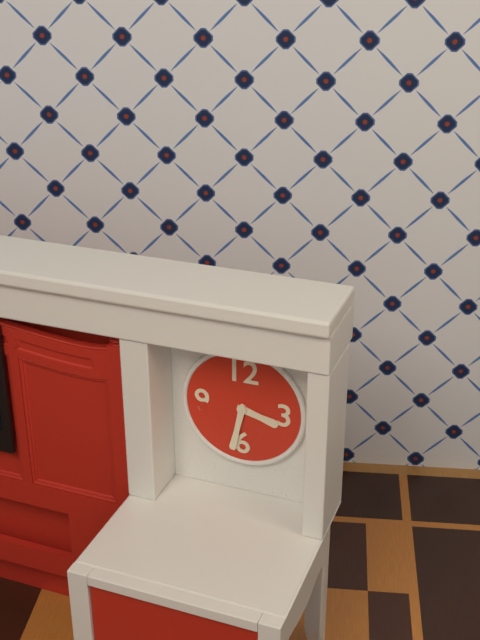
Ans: h=3 m=32
